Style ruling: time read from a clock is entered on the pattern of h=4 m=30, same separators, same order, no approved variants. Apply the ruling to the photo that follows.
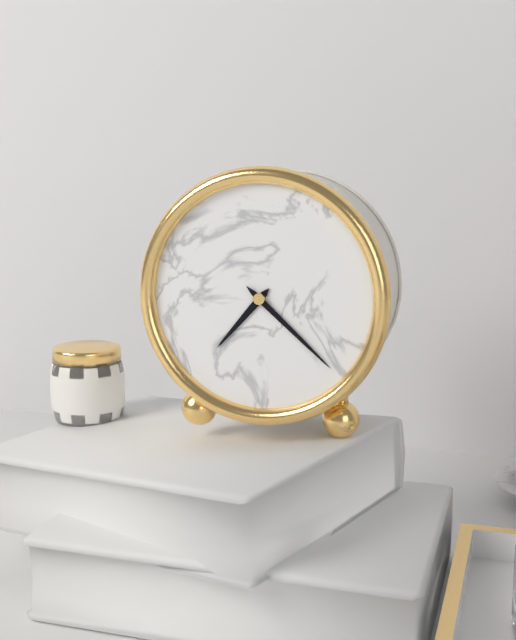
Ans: h=7 m=22
